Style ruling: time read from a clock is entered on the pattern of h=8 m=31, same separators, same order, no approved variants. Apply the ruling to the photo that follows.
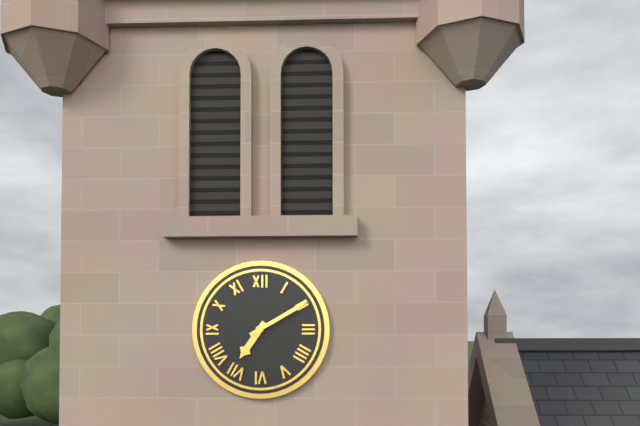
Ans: h=7 m=10
